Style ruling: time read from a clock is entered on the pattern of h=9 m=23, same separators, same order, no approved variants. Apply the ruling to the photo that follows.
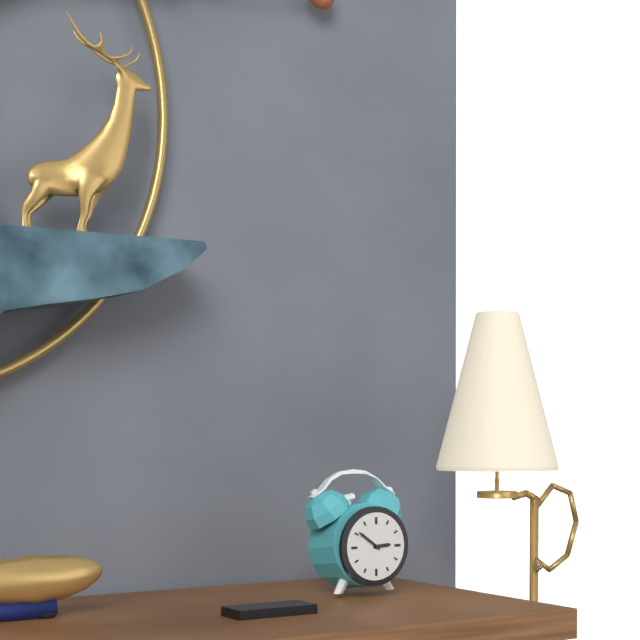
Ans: h=2 m=51
